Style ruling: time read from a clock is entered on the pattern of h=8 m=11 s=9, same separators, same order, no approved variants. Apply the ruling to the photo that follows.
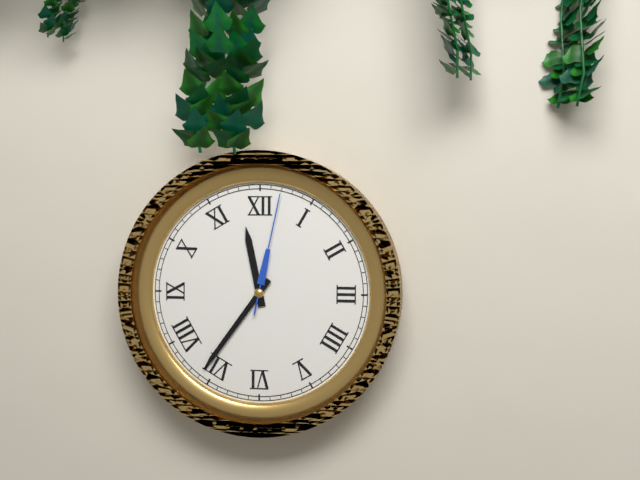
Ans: h=11 m=36 s=2
